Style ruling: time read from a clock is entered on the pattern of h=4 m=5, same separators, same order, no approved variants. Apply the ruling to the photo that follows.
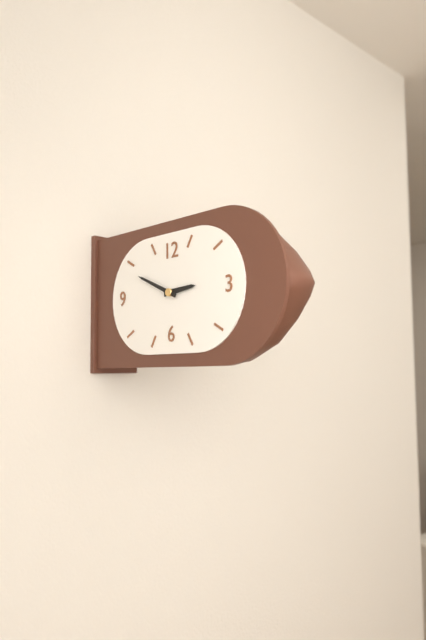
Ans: h=2 m=49
